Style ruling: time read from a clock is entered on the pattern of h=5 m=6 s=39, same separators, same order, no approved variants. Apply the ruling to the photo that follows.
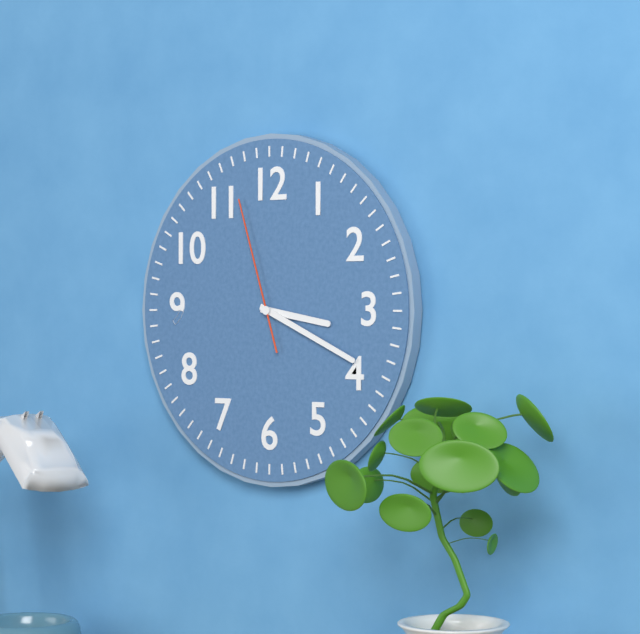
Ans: h=3 m=19 s=57
